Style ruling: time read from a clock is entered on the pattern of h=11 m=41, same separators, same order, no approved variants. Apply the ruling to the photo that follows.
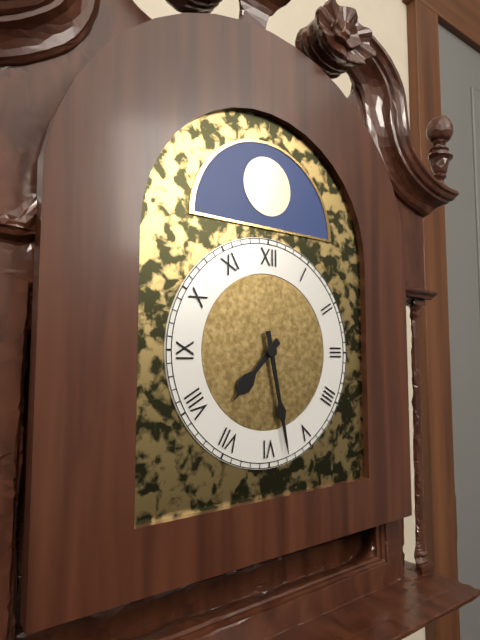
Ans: h=7 m=28
